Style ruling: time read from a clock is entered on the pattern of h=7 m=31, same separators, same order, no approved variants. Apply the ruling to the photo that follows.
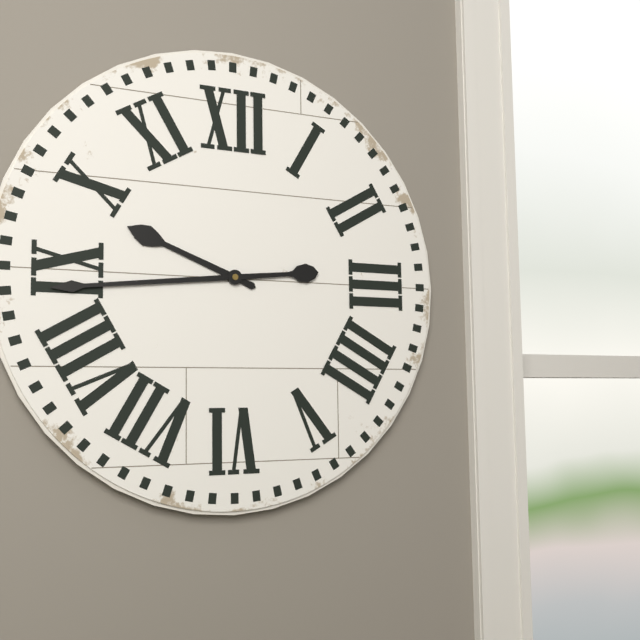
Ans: h=9 m=44
